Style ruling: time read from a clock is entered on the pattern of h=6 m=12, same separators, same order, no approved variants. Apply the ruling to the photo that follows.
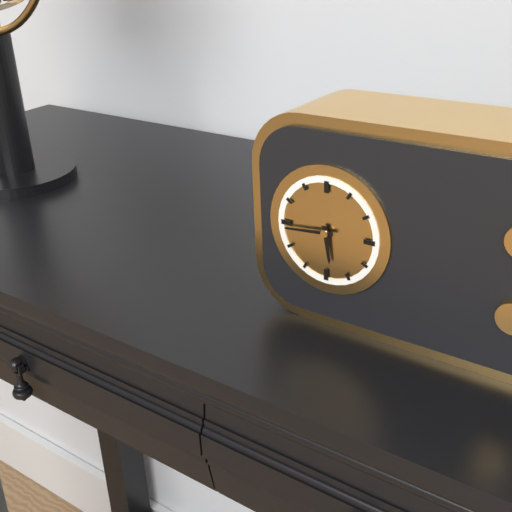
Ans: h=5 m=44
